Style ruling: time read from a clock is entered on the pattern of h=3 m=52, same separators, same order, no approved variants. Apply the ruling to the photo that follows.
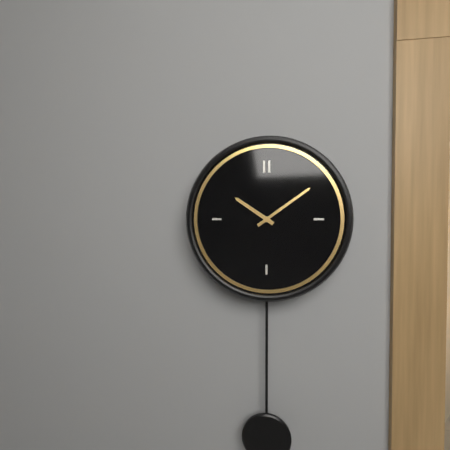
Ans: h=10 m=9
